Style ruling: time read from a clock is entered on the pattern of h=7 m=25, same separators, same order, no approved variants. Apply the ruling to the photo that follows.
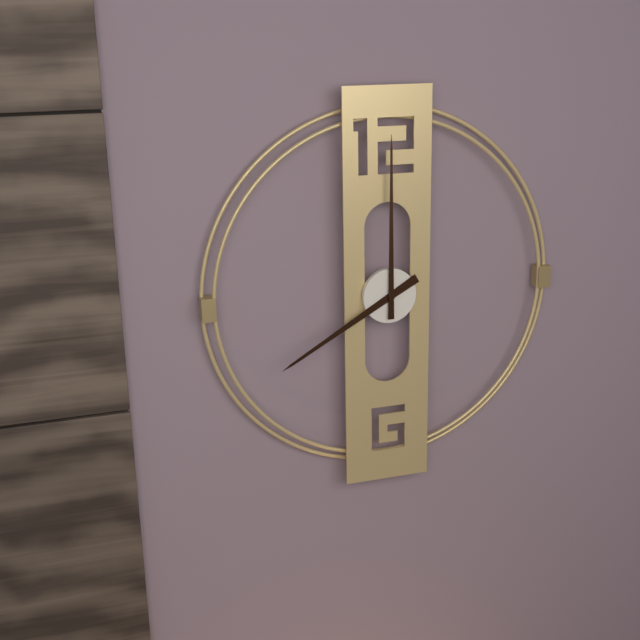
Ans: h=8 m=0
